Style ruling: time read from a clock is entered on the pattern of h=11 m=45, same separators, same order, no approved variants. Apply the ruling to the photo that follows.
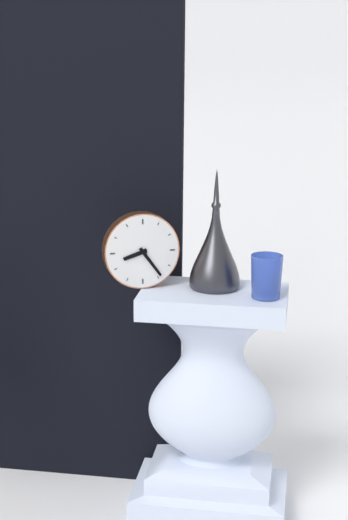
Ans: h=8 m=24
